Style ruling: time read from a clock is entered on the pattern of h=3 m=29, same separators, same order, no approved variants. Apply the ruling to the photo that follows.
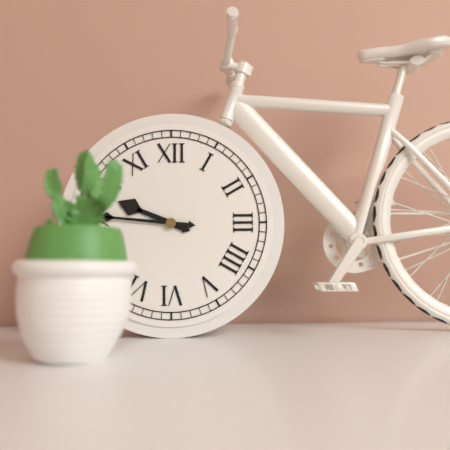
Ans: h=9 m=46
